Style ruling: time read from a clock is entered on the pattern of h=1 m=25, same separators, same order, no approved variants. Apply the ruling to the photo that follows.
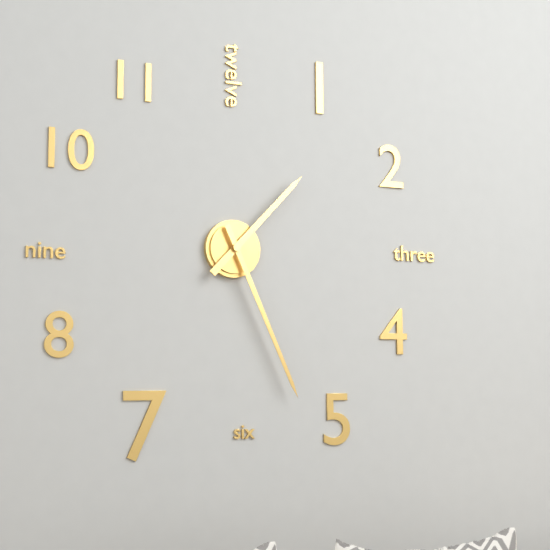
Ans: h=1 m=26
